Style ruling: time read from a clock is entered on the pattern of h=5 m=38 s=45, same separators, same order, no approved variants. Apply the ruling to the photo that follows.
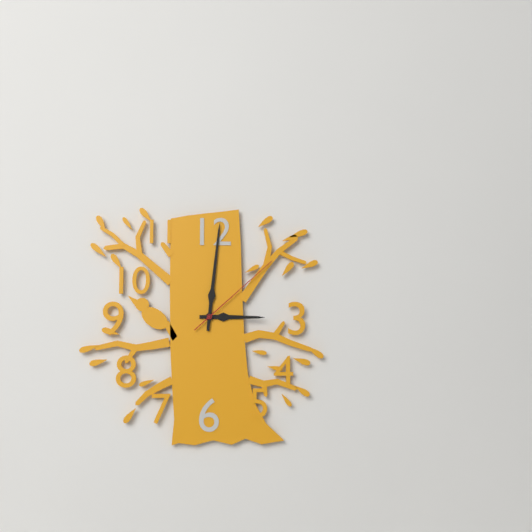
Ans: h=3 m=1 s=8
